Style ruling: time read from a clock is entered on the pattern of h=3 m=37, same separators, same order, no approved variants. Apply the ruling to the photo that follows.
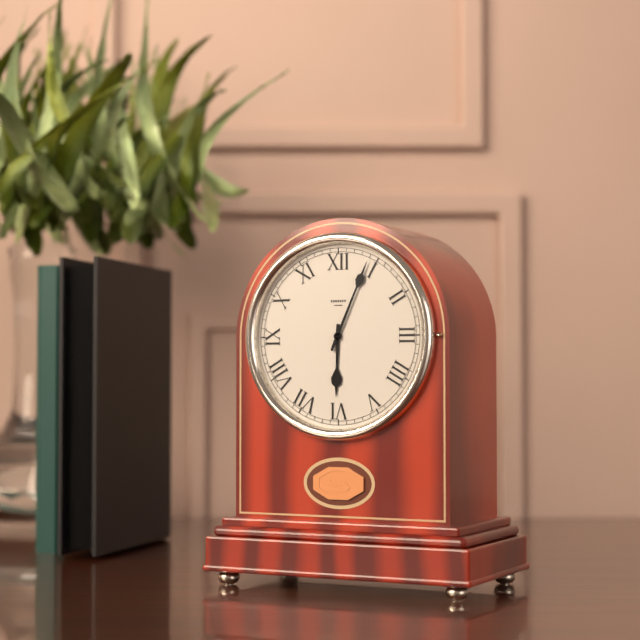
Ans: h=6 m=4
